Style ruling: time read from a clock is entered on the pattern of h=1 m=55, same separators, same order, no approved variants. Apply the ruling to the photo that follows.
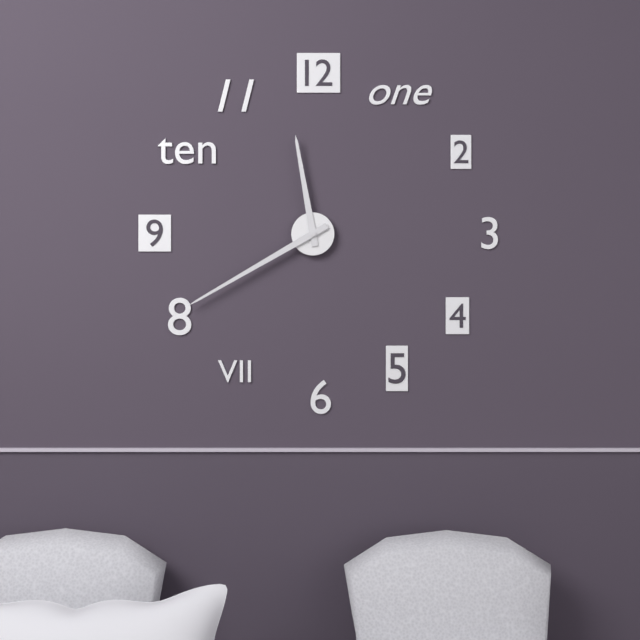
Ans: h=11 m=40
